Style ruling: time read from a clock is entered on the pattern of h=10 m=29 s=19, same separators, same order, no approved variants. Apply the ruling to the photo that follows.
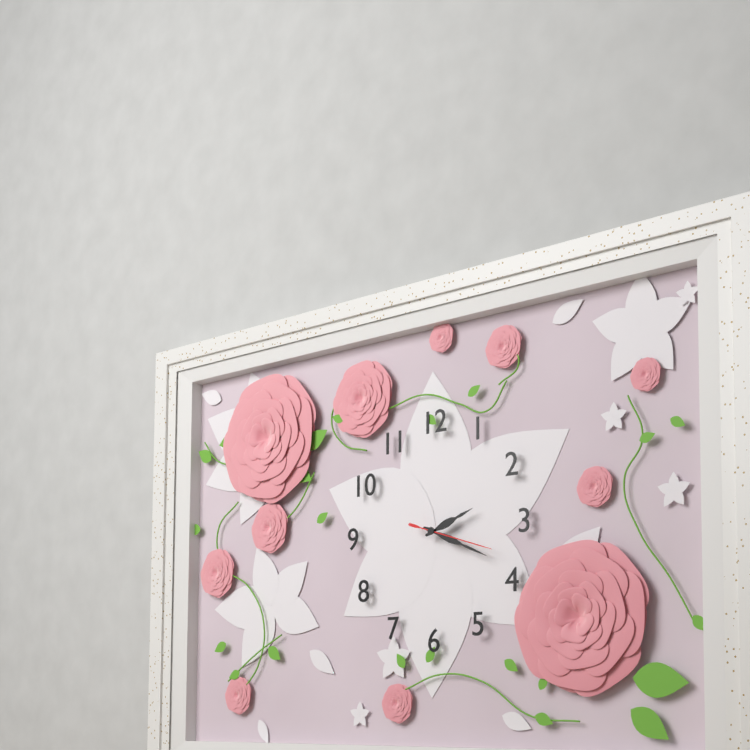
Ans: h=2 m=19 s=18
